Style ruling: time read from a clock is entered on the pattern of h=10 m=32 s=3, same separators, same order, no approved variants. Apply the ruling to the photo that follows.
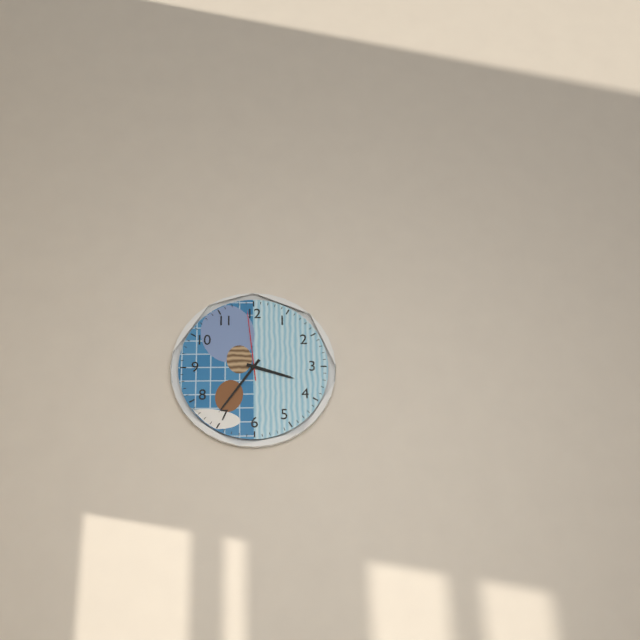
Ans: h=3 m=36 s=59
